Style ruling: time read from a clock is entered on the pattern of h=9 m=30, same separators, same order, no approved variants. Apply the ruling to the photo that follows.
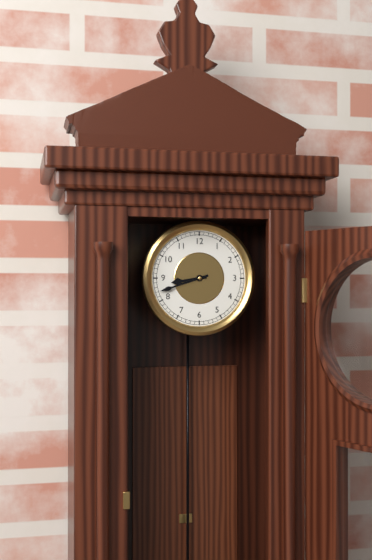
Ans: h=8 m=42
